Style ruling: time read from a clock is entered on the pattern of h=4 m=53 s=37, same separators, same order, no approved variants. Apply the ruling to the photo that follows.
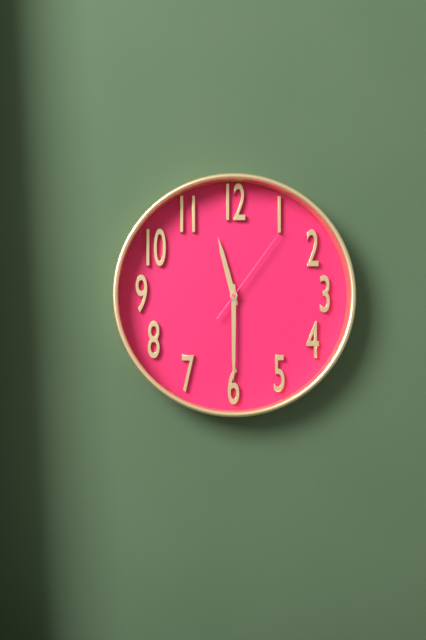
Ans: h=11 m=30 s=6
